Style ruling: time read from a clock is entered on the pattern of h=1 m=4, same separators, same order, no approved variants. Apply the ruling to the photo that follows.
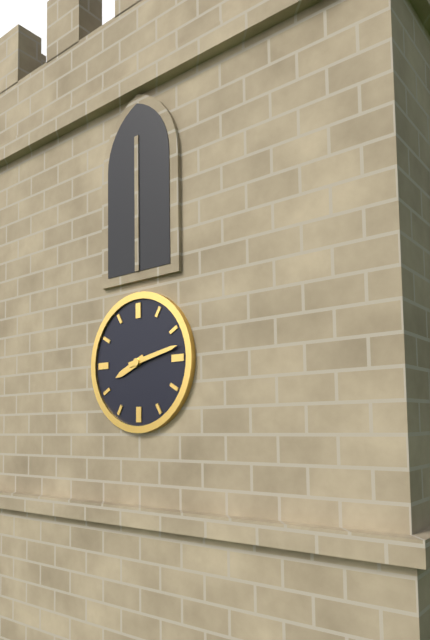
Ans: h=8 m=13
